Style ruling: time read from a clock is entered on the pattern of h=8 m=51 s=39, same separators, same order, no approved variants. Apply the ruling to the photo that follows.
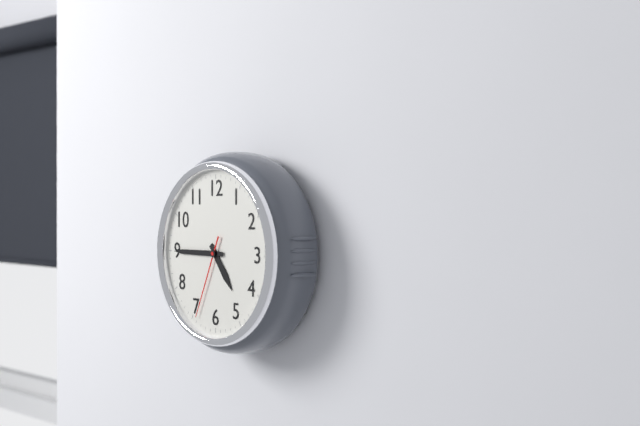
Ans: h=4 m=45 s=34
